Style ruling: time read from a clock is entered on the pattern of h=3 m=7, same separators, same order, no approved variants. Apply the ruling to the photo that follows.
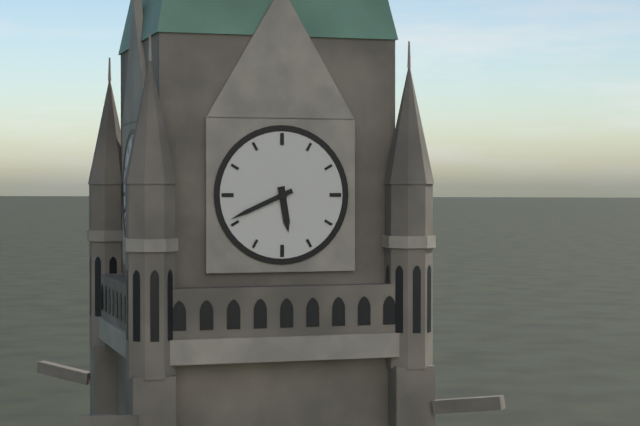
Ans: h=5 m=41
